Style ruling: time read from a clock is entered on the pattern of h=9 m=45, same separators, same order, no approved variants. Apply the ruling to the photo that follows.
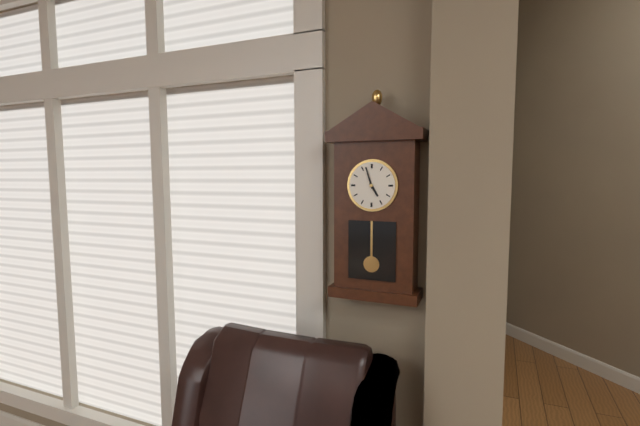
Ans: h=4 m=57
